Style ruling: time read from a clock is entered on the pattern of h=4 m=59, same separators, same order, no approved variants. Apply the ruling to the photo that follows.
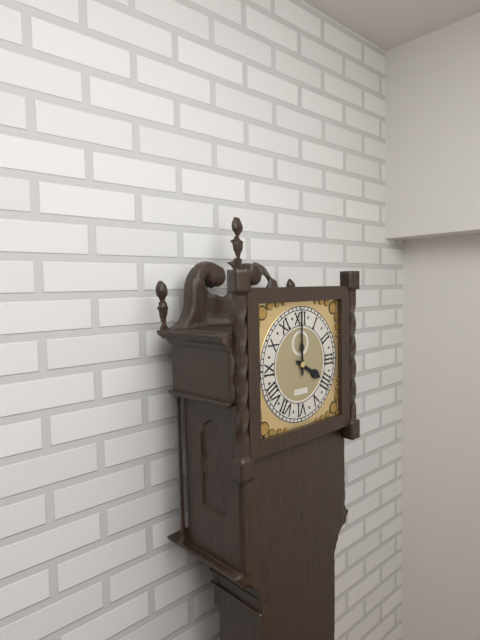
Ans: h=4 m=0
